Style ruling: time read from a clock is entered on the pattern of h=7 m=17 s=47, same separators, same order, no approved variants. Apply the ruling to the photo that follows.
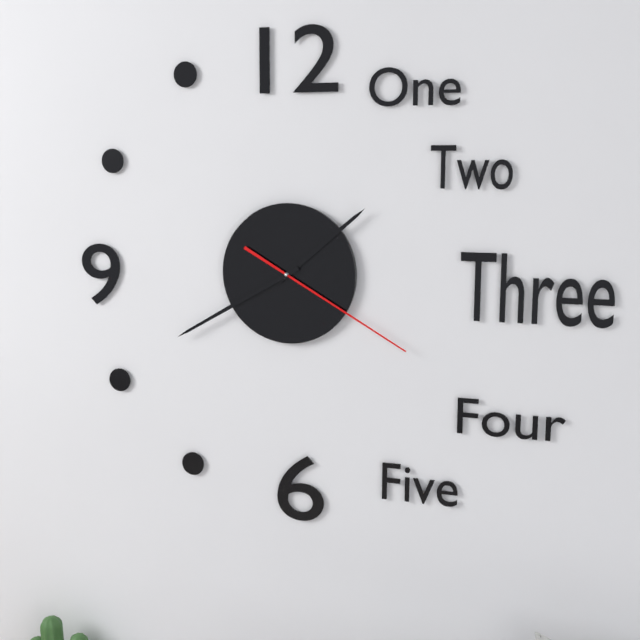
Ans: h=1 m=40 s=20
